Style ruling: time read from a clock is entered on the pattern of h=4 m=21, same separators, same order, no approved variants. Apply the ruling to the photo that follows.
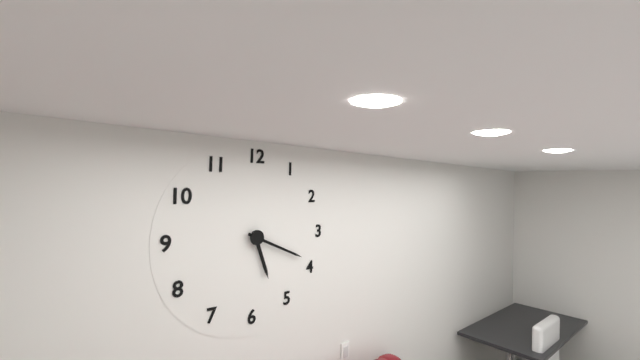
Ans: h=5 m=19
